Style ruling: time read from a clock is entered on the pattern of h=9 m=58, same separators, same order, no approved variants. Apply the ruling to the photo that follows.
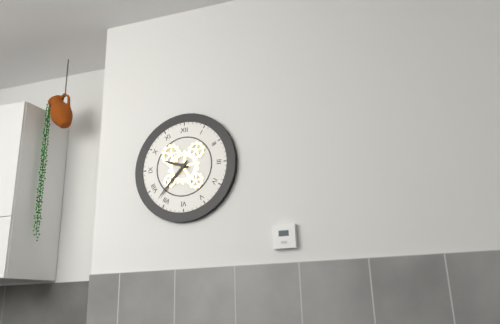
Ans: h=9 m=37
